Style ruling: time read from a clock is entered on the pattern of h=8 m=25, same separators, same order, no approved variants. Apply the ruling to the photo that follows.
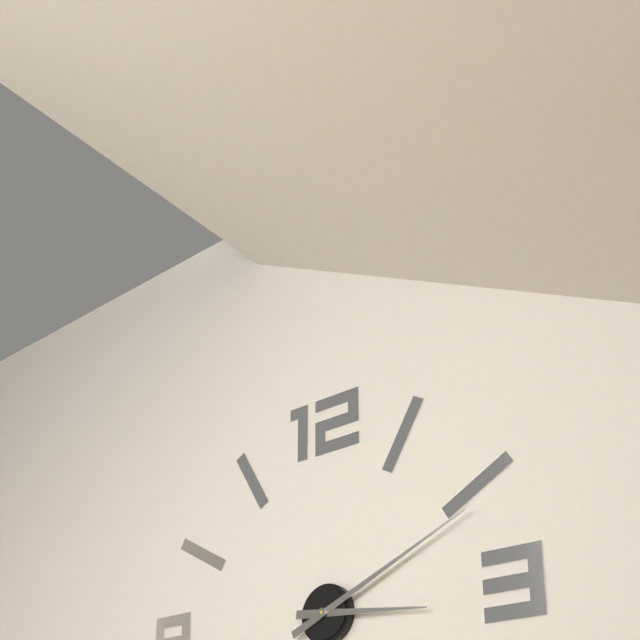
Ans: h=3 m=11
